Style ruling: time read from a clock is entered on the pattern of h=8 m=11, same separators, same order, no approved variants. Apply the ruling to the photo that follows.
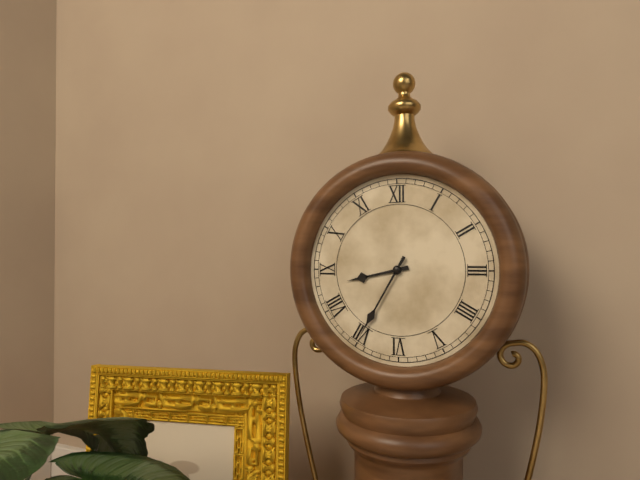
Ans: h=8 m=35
